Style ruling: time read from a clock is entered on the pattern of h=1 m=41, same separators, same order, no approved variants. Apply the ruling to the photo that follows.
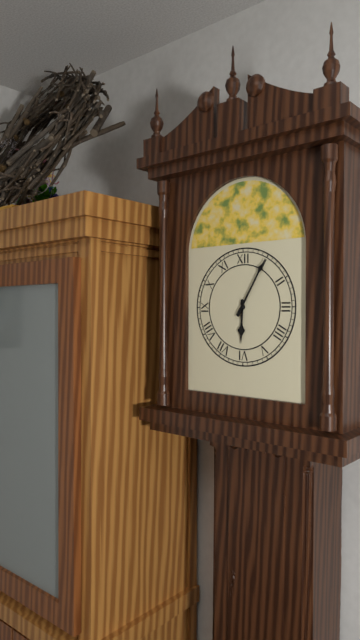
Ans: h=6 m=5
